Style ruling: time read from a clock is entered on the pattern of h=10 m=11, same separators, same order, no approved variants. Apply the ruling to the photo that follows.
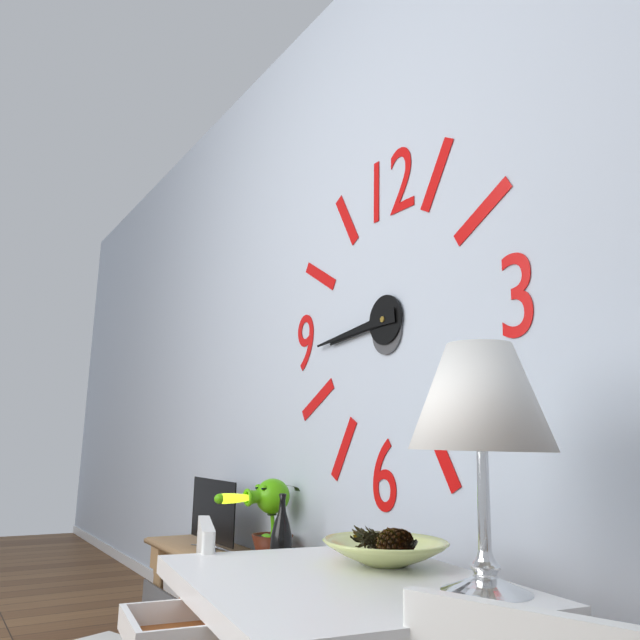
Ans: h=8 m=44
